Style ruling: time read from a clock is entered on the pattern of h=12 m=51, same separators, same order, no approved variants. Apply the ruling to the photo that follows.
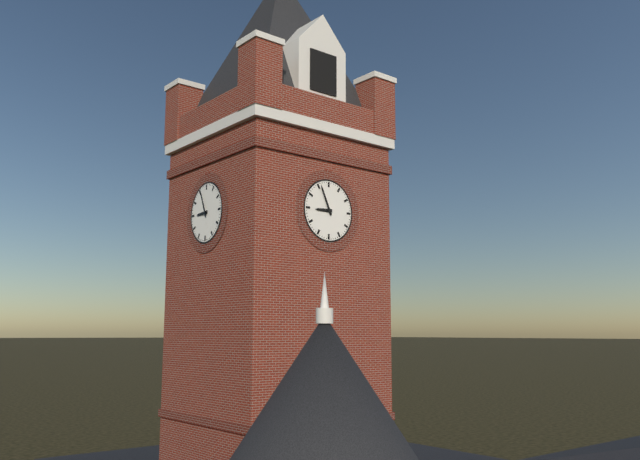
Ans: h=8 m=56
